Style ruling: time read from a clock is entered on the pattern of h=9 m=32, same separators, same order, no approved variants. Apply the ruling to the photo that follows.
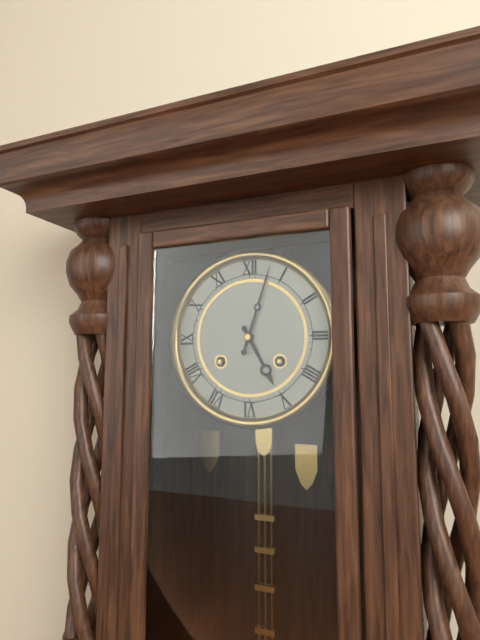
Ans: h=5 m=3
